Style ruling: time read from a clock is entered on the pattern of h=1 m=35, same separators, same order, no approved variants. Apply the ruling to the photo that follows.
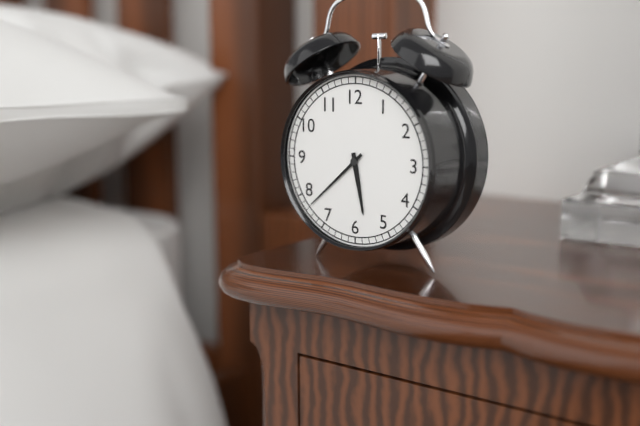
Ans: h=5 m=38
